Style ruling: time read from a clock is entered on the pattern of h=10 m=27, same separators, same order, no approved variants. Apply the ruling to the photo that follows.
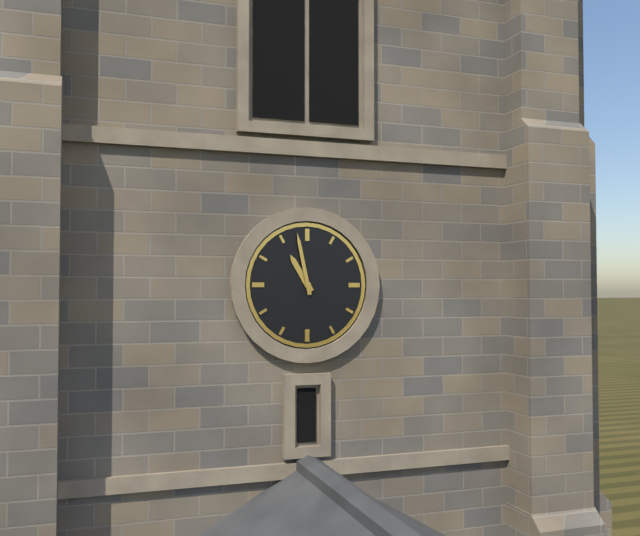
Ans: h=10 m=58
